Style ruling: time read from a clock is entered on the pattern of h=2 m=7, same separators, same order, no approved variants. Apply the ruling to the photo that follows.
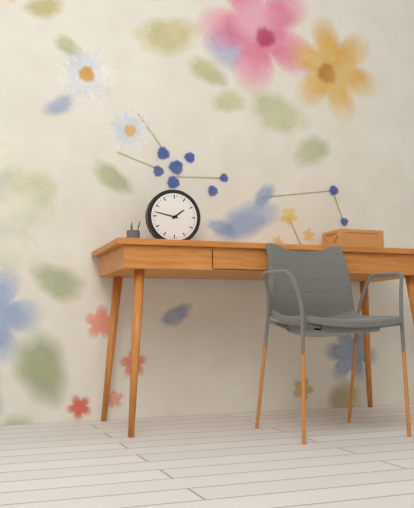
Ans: h=1 m=47
